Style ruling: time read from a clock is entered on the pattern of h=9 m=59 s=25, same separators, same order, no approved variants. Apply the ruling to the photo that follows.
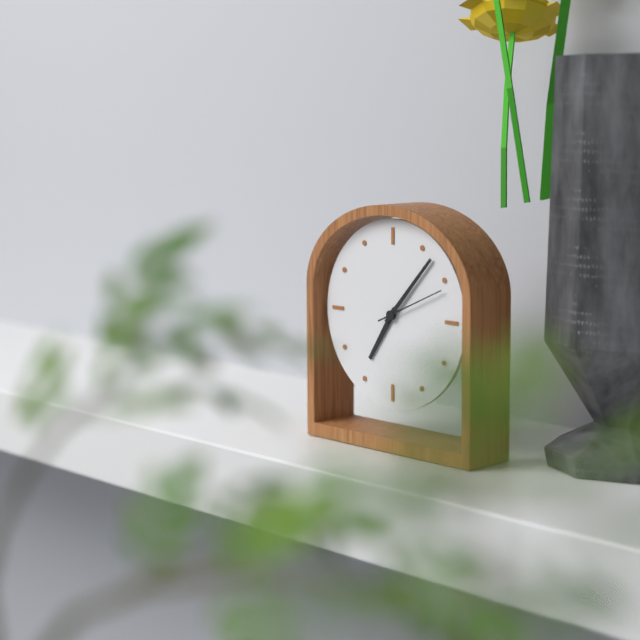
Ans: h=7 m=7 s=11
